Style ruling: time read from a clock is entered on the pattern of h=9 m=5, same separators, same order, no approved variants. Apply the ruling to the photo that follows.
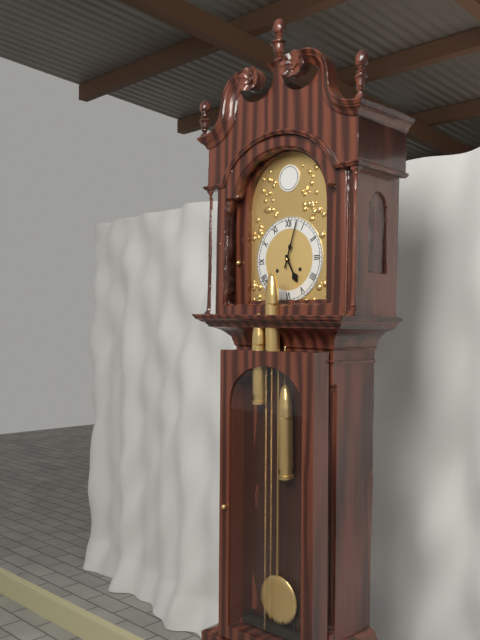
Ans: h=5 m=3
